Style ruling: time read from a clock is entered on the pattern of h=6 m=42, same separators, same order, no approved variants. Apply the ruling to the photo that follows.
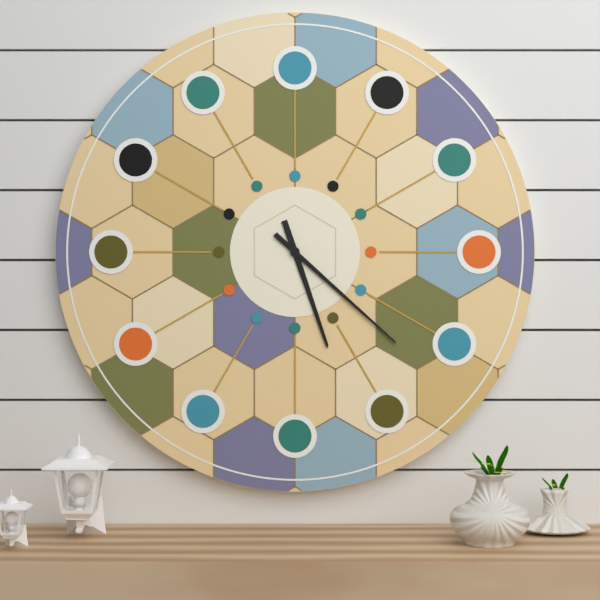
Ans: h=5 m=22
